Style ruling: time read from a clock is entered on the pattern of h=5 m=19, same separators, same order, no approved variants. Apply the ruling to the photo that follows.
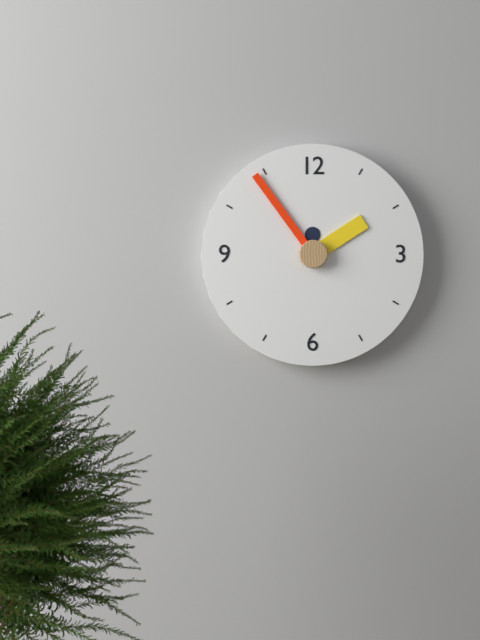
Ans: h=1 m=54
